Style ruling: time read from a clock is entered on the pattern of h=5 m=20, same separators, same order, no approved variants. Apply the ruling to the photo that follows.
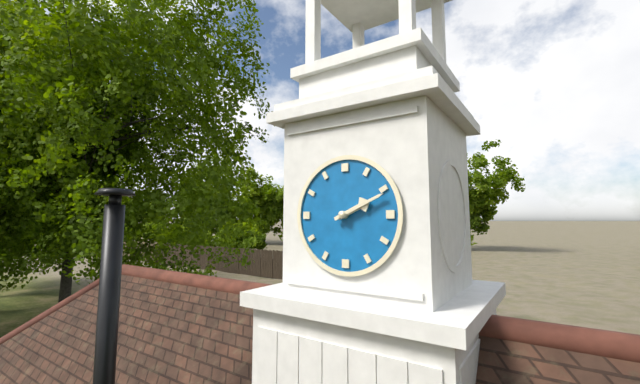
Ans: h=2 m=11
